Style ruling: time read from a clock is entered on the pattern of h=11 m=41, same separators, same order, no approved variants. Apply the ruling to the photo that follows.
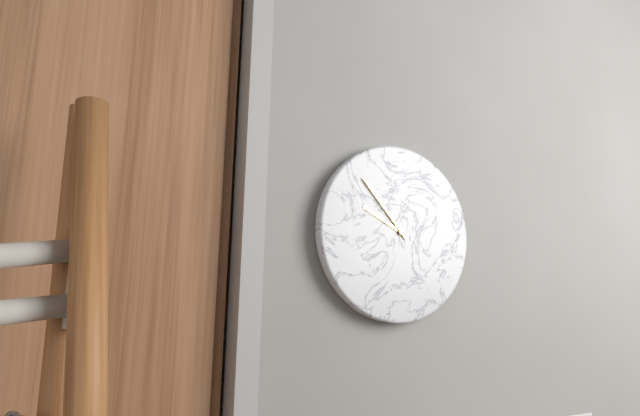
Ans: h=9 m=53
